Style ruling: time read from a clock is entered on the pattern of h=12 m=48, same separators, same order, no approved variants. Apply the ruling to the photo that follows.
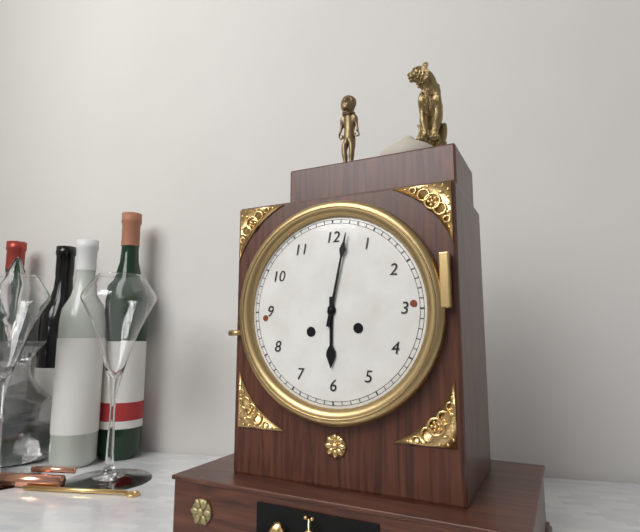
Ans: h=6 m=2
